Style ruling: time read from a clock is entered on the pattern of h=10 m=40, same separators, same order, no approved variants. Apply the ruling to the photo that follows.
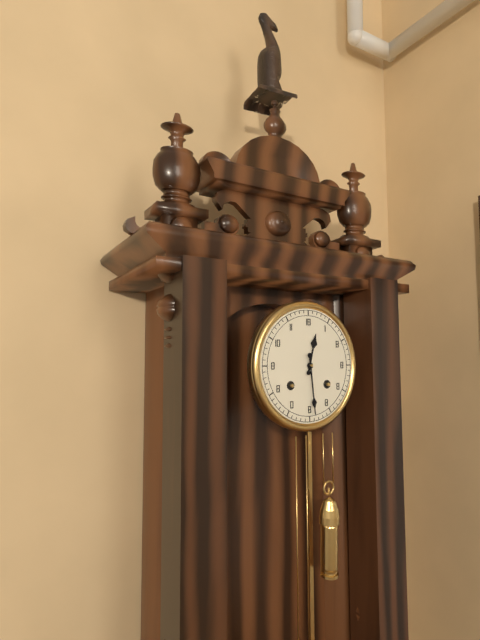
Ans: h=12 m=29
